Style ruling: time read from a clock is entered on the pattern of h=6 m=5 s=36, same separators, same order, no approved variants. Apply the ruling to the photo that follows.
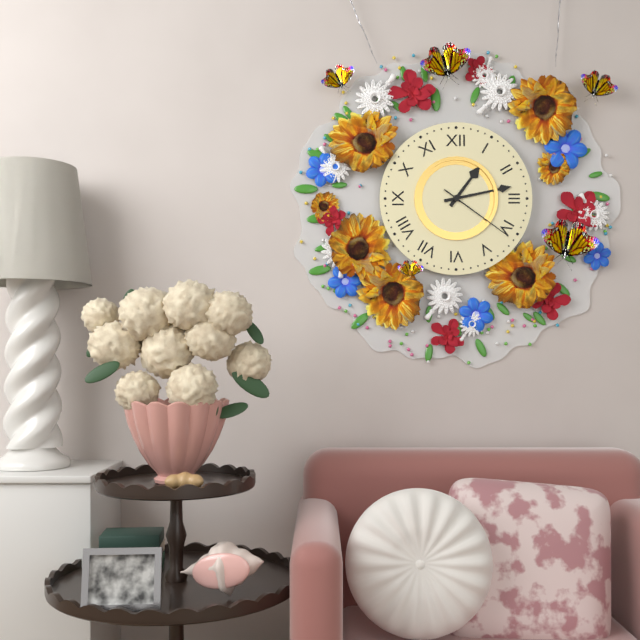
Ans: h=1 m=13 s=21
